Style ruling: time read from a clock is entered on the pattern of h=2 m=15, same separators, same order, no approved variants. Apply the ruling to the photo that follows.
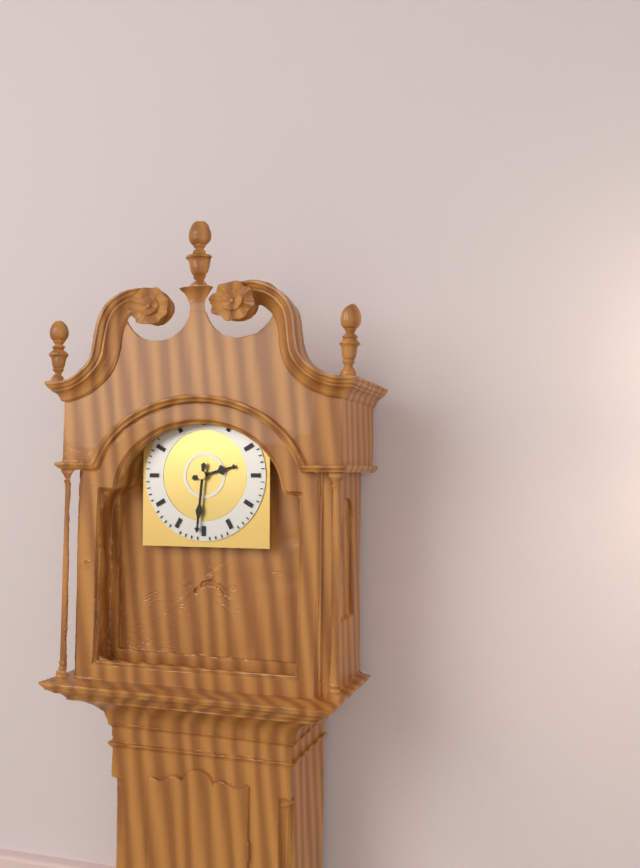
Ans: h=2 m=31
